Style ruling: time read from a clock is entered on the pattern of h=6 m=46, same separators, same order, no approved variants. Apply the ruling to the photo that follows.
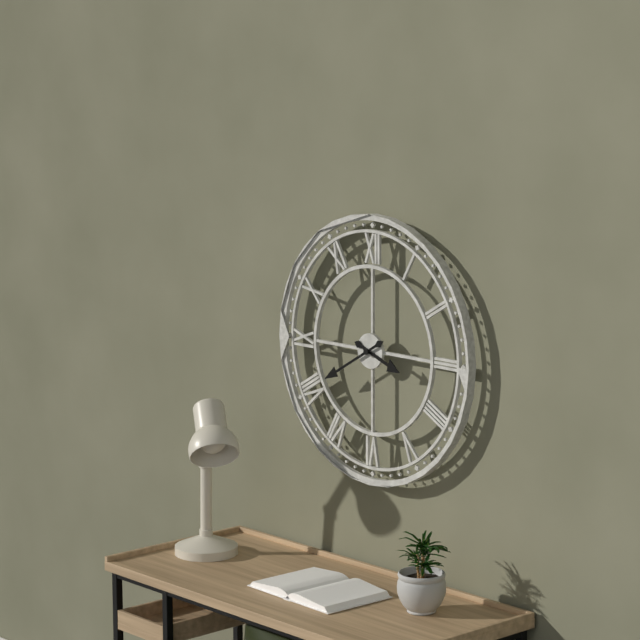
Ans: h=3 m=40
